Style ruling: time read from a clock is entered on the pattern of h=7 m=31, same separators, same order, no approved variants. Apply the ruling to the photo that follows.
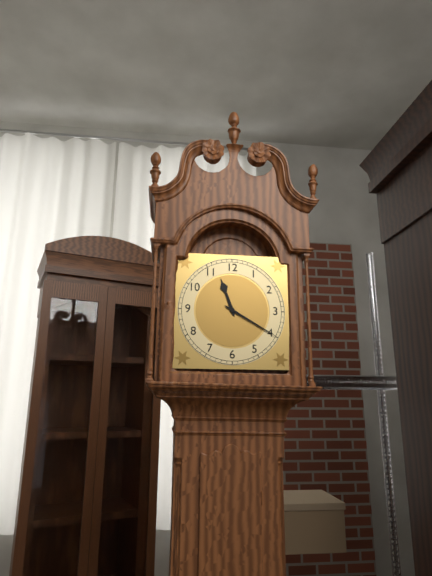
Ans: h=11 m=20
